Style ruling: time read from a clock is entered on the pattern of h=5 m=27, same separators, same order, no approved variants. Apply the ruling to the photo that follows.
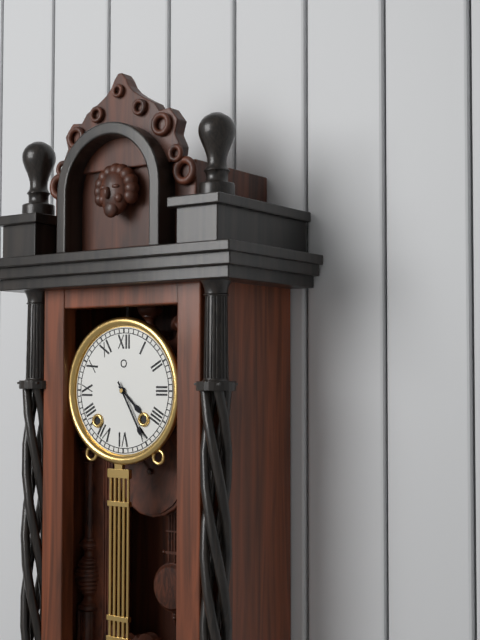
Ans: h=4 m=25
